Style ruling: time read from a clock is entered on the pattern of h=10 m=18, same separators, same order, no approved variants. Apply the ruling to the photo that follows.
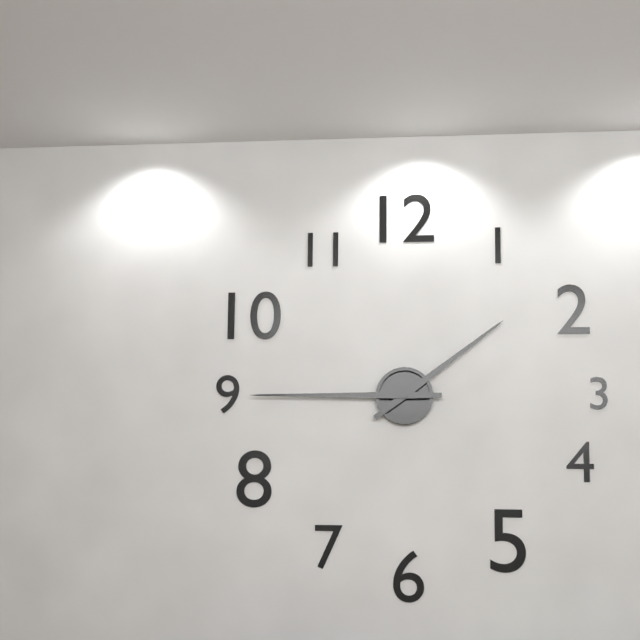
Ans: h=1 m=45
